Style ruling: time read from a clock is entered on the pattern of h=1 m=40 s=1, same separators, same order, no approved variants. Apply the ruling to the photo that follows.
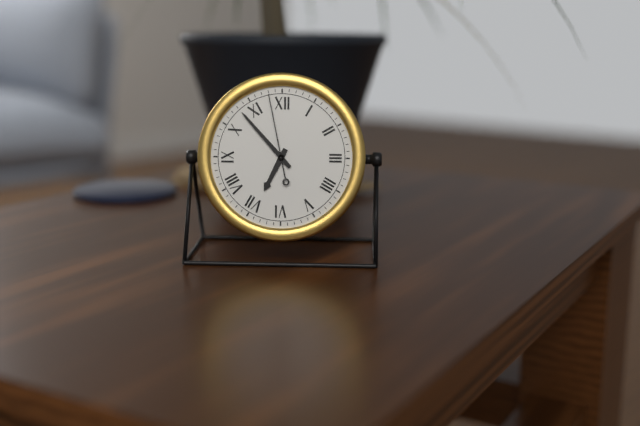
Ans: h=6 m=53 s=58
